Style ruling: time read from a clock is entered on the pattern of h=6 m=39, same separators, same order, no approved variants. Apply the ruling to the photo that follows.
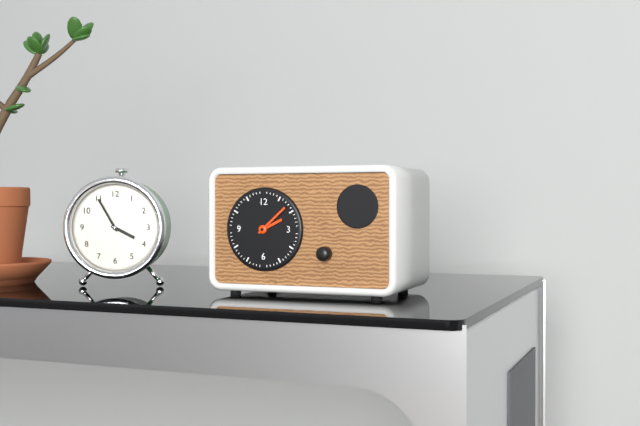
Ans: h=2 m=8
